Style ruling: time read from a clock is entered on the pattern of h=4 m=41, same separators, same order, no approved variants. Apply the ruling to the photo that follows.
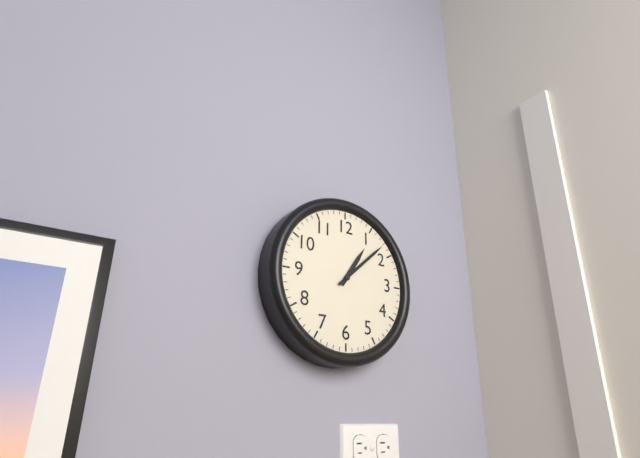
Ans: h=1 m=8
